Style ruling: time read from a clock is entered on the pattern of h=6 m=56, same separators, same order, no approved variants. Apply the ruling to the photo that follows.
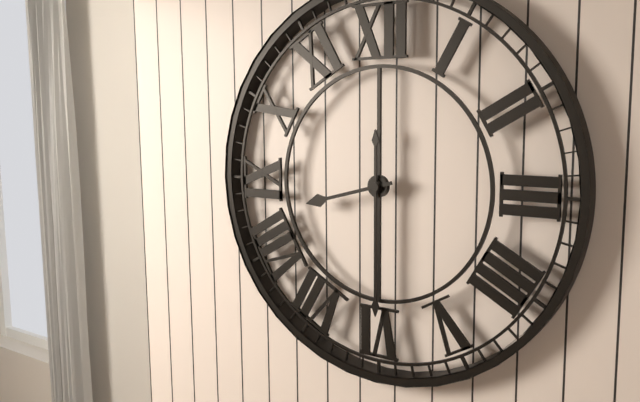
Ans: h=8 m=30
